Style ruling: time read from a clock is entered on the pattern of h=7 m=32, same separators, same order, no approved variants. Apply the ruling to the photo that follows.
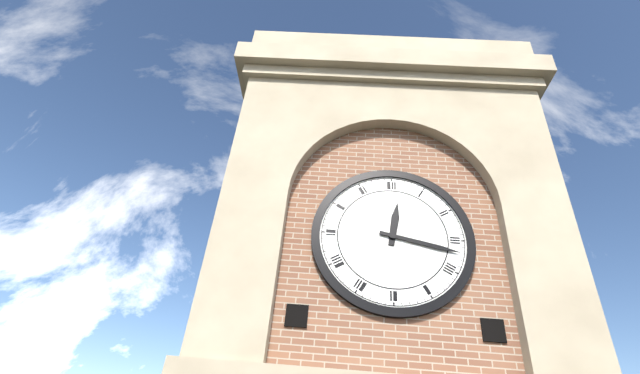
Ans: h=12 m=17
